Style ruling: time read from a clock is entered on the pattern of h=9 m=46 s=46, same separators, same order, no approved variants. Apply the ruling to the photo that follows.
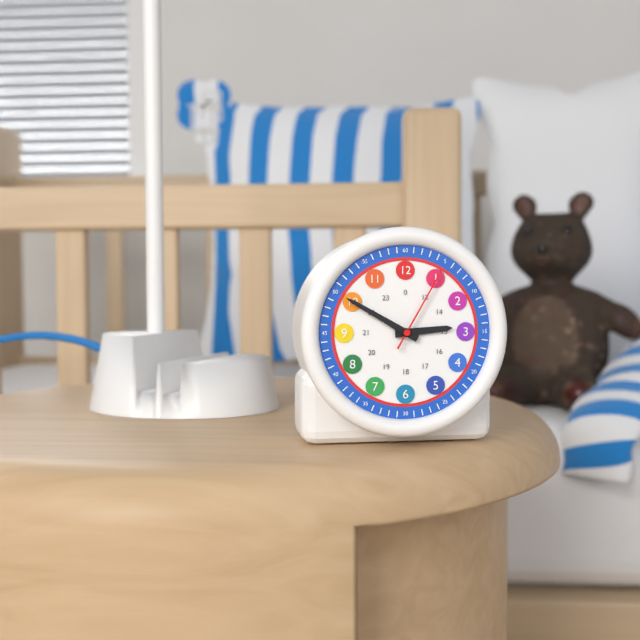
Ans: h=2 m=50 s=5
